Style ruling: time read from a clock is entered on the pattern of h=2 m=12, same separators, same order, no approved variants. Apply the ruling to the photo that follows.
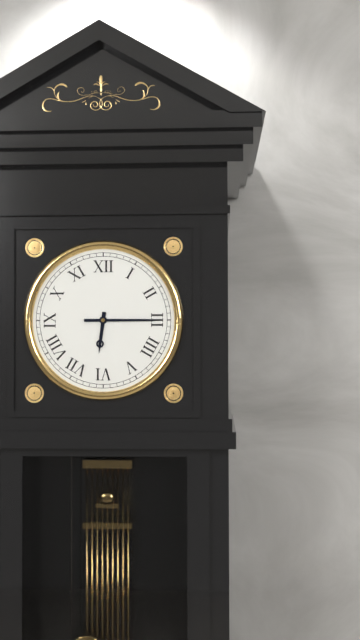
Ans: h=6 m=15
